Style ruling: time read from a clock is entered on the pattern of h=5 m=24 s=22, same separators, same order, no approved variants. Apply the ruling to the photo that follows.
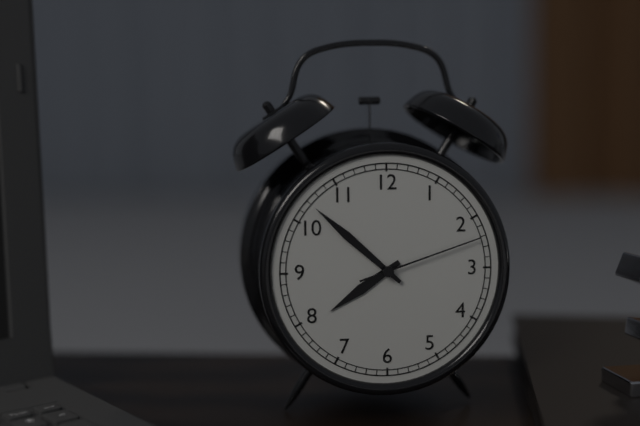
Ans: h=7 m=52 s=12
